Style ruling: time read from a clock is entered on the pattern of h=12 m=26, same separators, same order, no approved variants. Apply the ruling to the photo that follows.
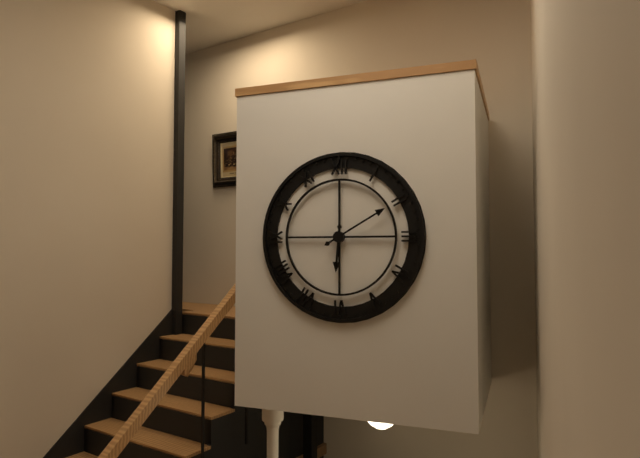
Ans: h=6 m=10
